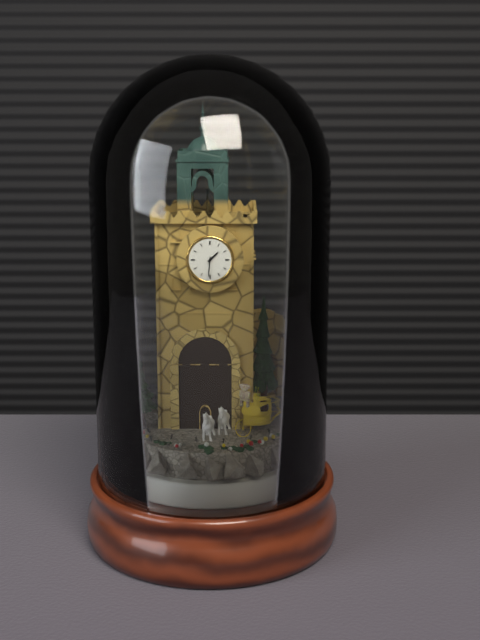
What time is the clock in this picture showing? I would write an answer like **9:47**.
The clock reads **1:31**
